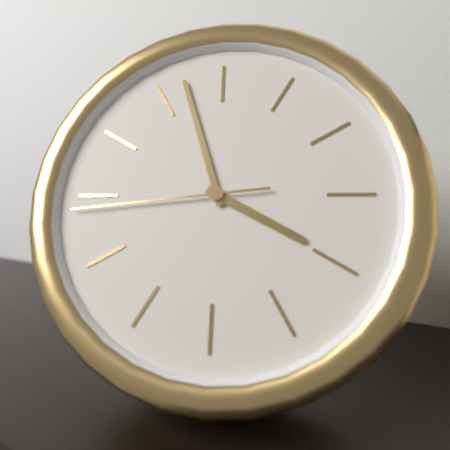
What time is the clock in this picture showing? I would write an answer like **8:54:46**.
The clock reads **3:57:44**
